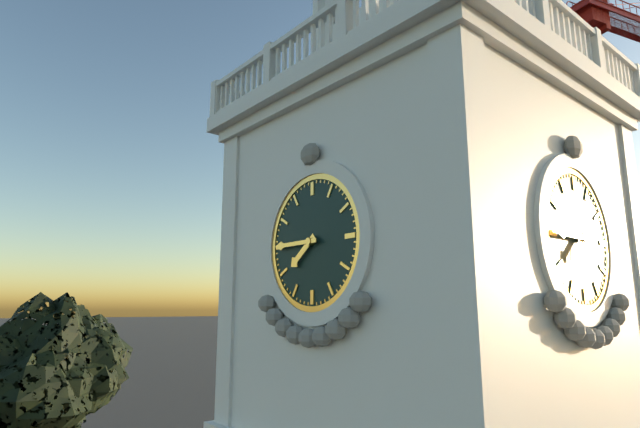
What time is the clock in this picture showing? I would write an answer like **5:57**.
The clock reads **7:45**
